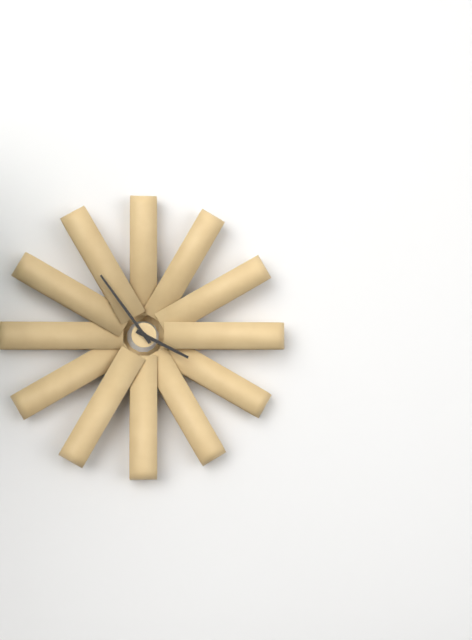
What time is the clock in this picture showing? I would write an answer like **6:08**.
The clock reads **3:54**
